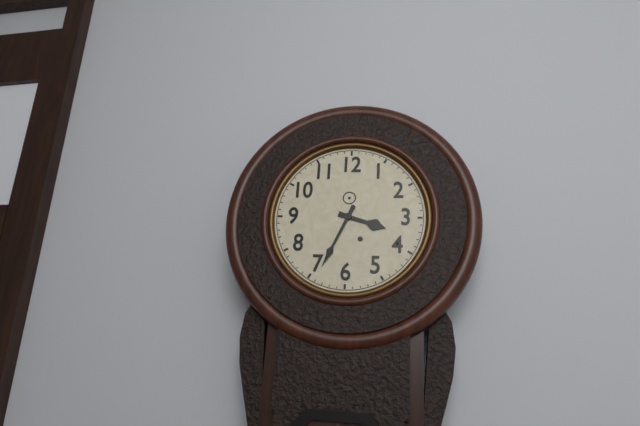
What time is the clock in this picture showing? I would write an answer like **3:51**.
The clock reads **3:34**
